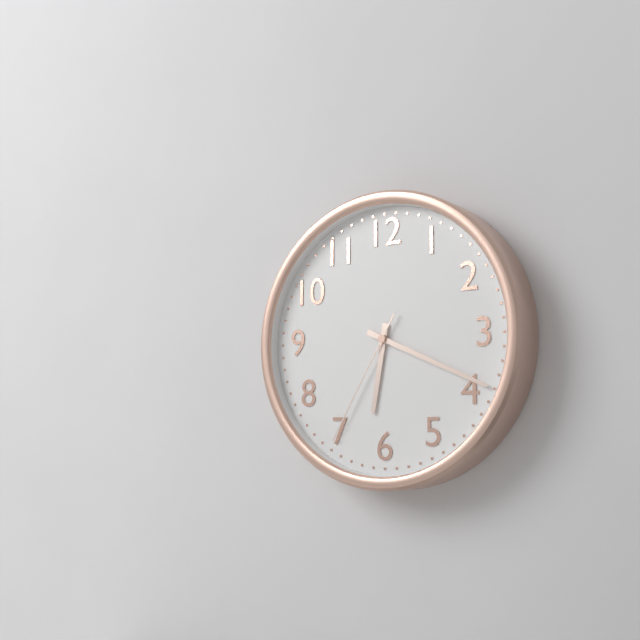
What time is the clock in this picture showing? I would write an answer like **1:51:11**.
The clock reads **6:19:35**
